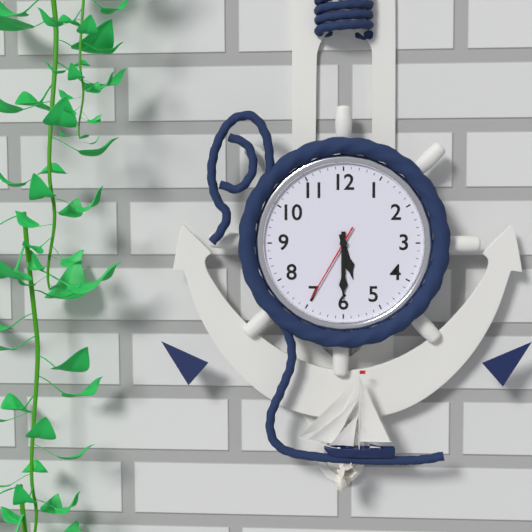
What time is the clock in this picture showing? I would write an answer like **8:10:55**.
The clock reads **5:30:35**
